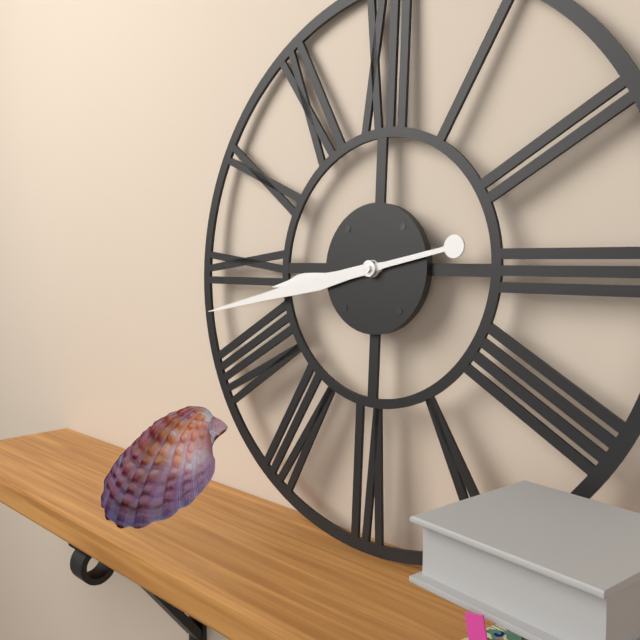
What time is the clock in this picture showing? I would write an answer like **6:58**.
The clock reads **8:43**
